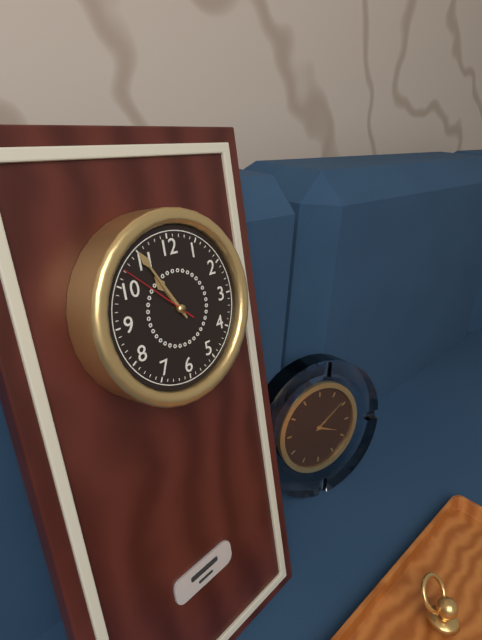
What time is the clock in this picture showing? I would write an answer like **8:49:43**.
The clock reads **10:55:52**
